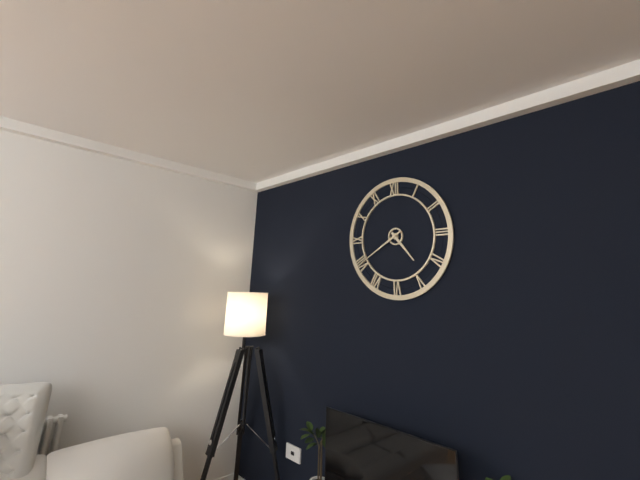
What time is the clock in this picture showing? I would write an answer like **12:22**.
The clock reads **4:40**
